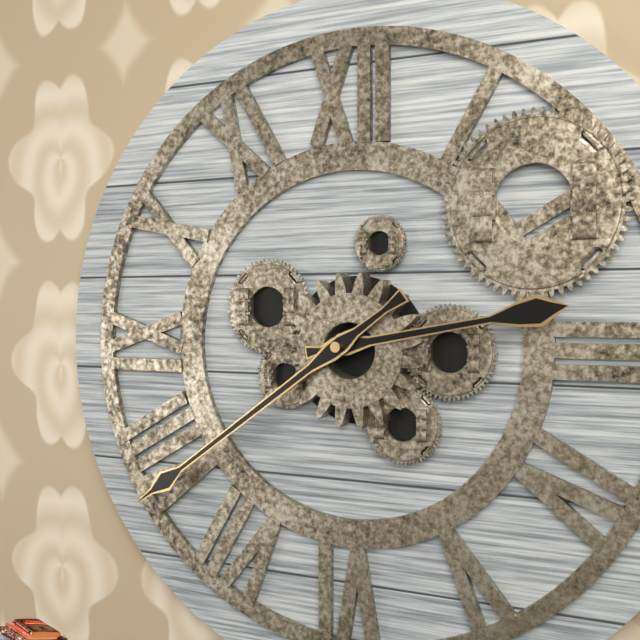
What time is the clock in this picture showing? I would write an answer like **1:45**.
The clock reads **2:39**
